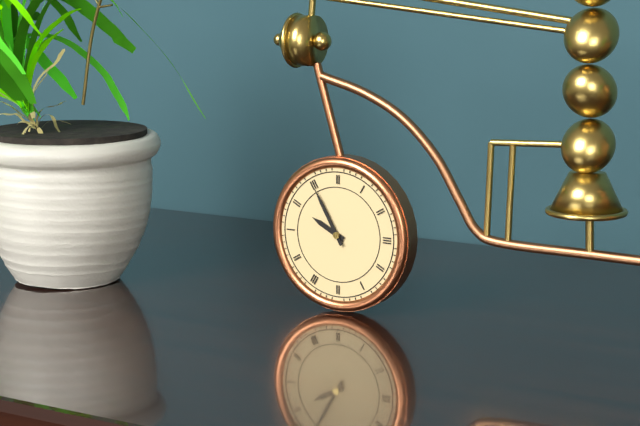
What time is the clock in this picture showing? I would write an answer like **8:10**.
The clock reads **9:55**
